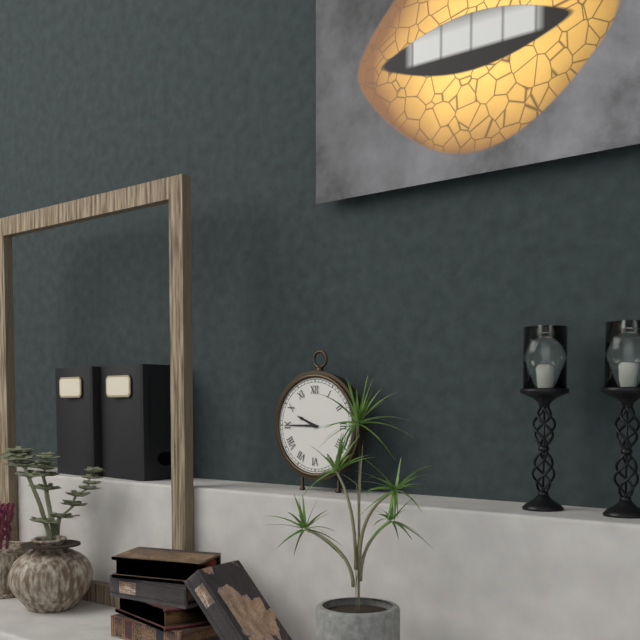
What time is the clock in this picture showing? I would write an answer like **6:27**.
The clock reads **9:45**
